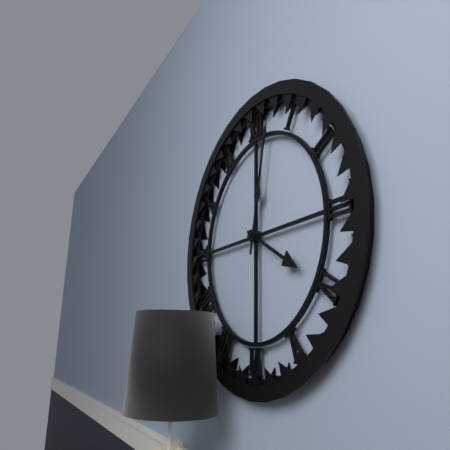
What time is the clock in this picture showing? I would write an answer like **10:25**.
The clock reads **4:02**
